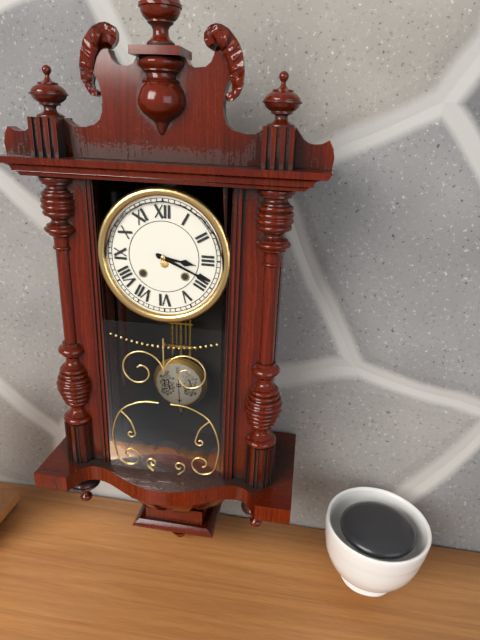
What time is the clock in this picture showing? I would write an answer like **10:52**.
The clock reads **3:19**
